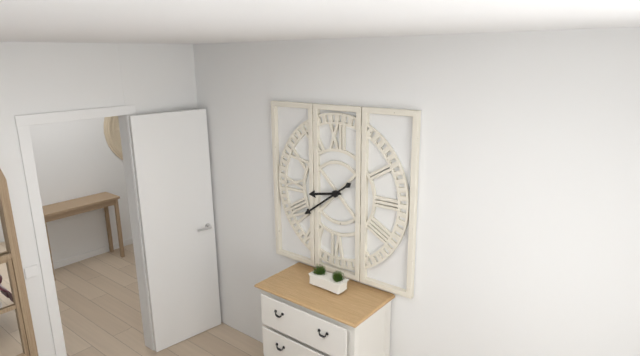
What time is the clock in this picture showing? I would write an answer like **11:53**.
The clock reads **8:39**
